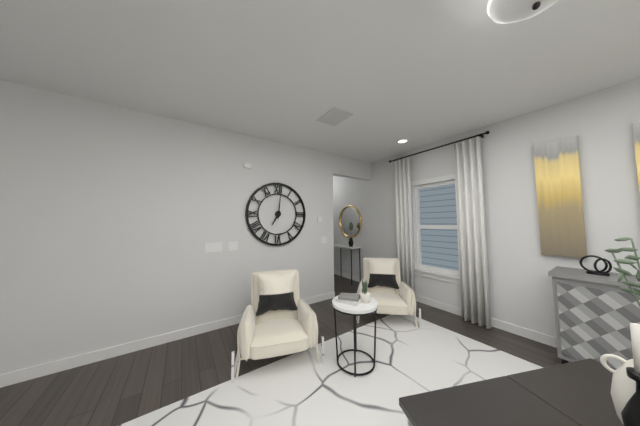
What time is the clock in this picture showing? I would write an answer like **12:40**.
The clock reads **7:01**
